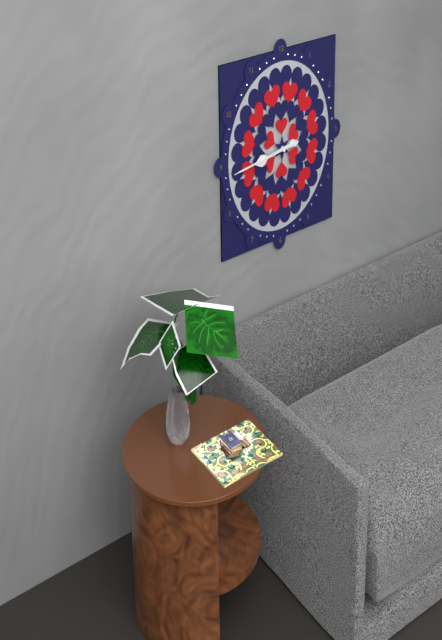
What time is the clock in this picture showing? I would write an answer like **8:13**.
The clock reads **8:44**
